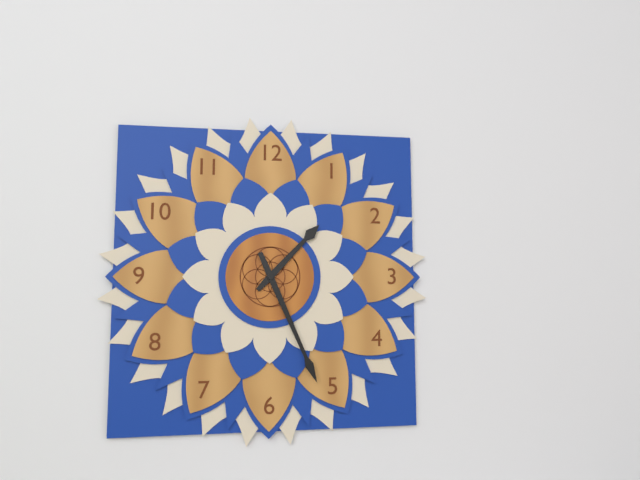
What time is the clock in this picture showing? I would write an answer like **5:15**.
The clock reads **1:26**
